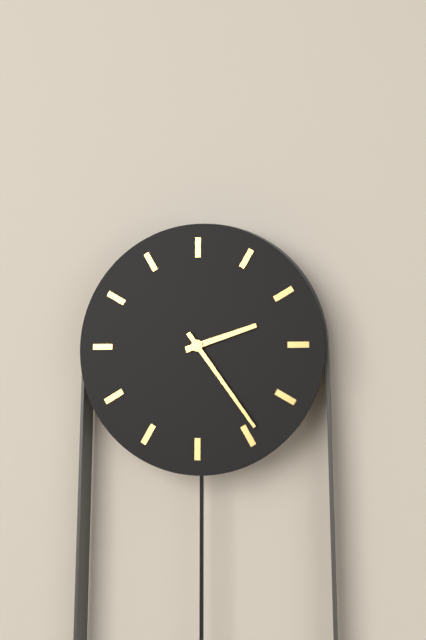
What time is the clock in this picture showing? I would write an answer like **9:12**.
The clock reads **2:24**
